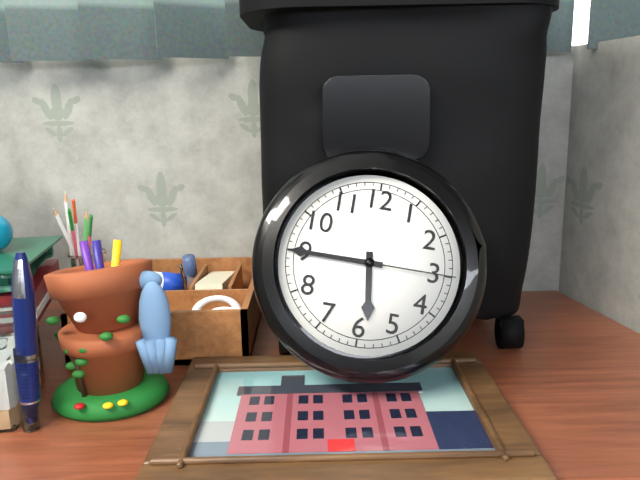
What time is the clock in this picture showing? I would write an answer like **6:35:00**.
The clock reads **5:45:15**
